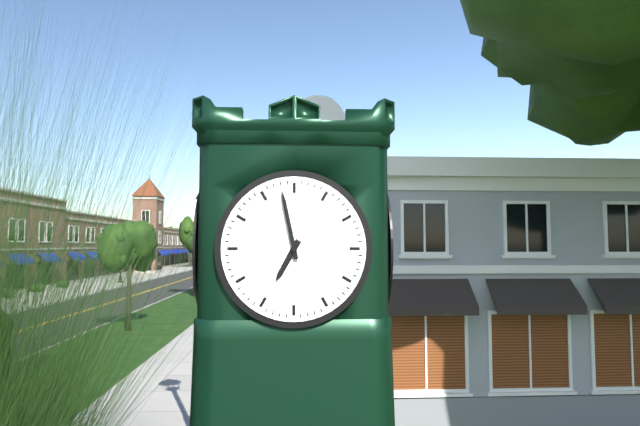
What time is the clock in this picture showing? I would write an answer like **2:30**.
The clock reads **6:58**
